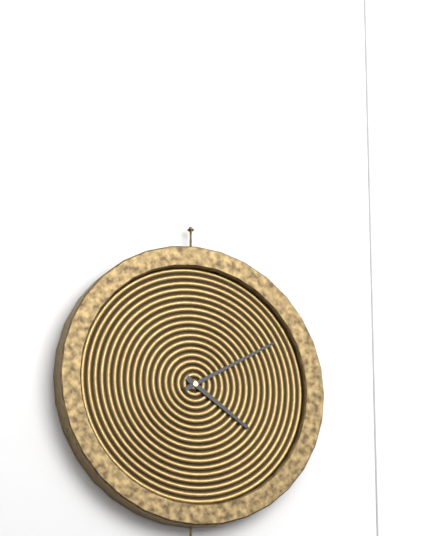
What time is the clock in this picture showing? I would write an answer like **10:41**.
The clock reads **4:10**
